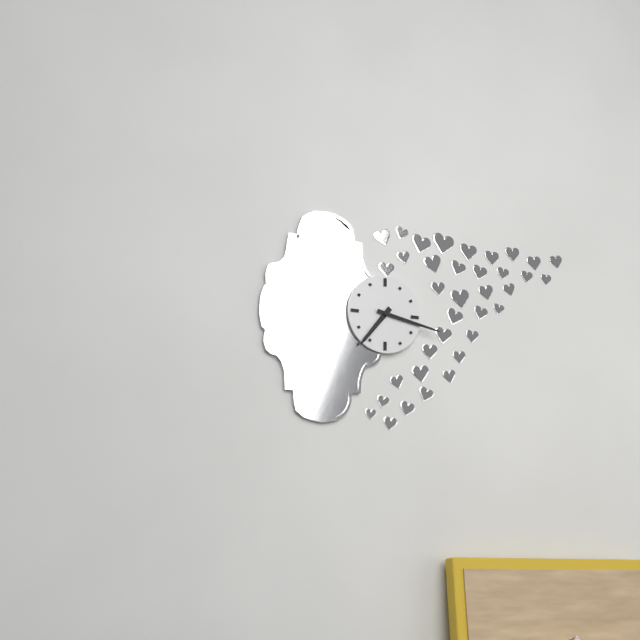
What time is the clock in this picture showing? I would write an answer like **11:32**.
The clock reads **7:17**
